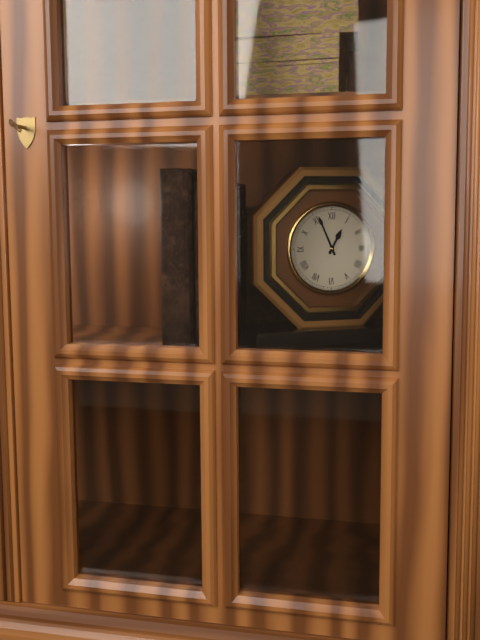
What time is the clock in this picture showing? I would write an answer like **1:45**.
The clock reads **12:56**
